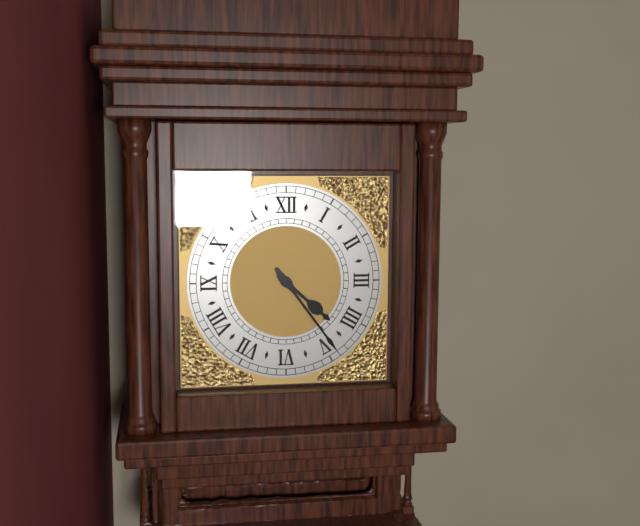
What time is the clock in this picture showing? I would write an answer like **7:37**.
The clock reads **4:24**
